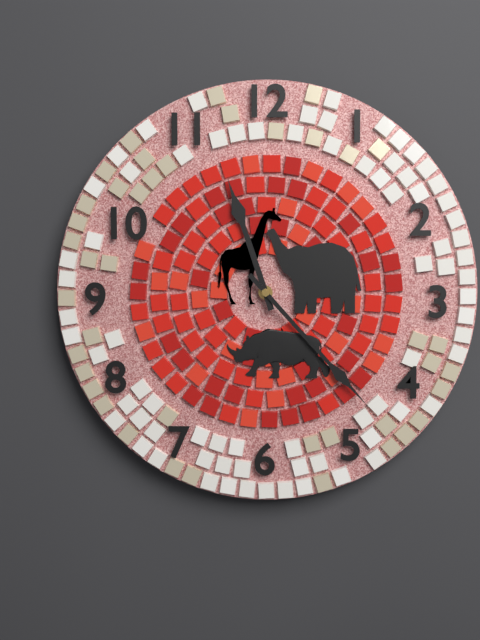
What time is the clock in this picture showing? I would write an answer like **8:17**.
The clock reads **11:23**
